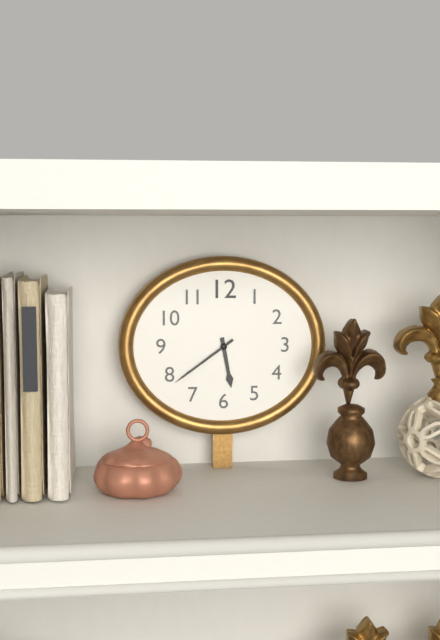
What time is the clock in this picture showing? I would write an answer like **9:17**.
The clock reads **5:39**
